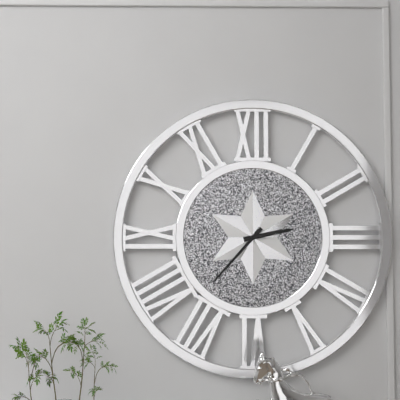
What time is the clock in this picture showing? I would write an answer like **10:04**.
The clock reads **2:37**
